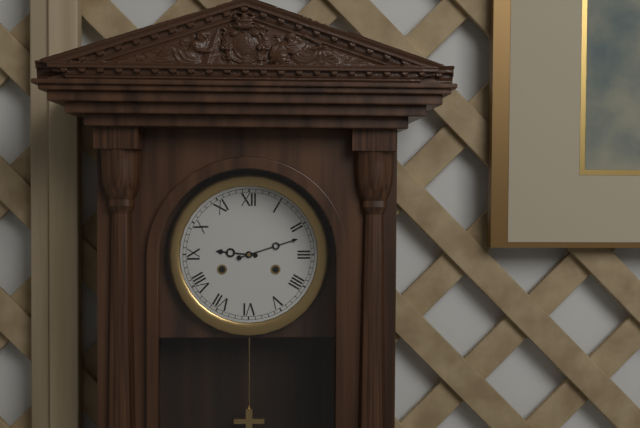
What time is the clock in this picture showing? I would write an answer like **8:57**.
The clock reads **9:12**
